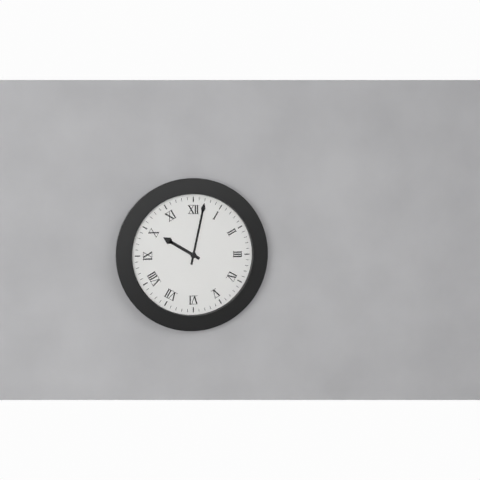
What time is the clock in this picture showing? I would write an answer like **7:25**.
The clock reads **10:02**
